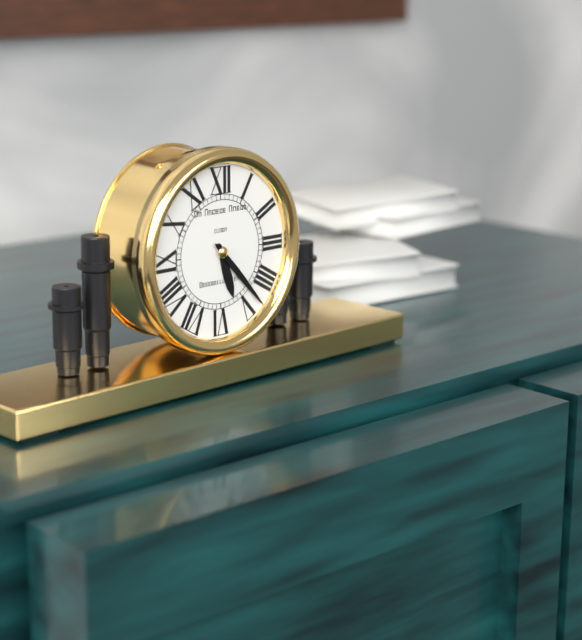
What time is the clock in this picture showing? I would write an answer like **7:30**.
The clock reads **5:23**
